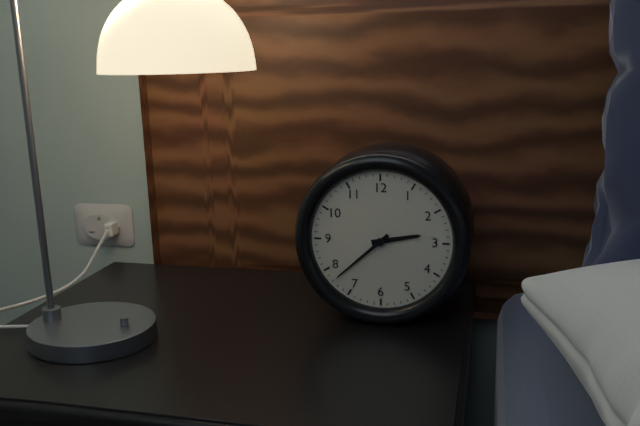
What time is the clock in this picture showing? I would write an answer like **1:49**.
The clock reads **2:38**
